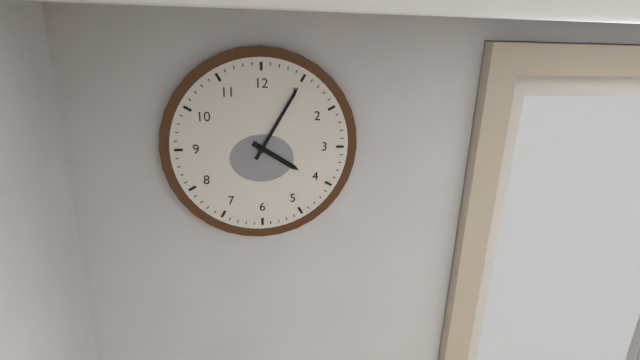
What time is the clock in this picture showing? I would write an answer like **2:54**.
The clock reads **4:05**
